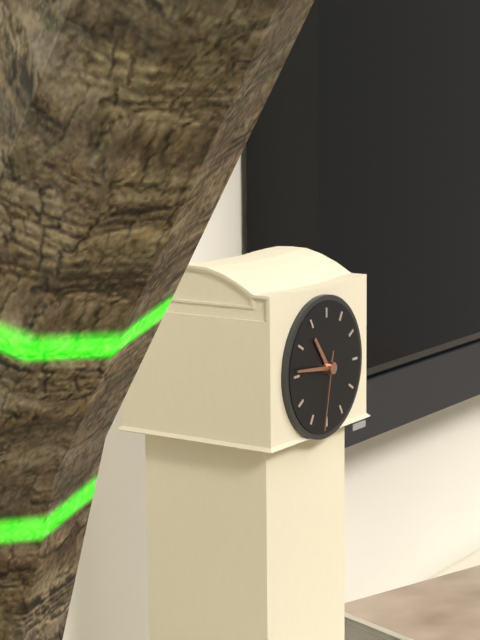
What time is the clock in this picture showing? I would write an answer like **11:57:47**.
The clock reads **10:46:32**
